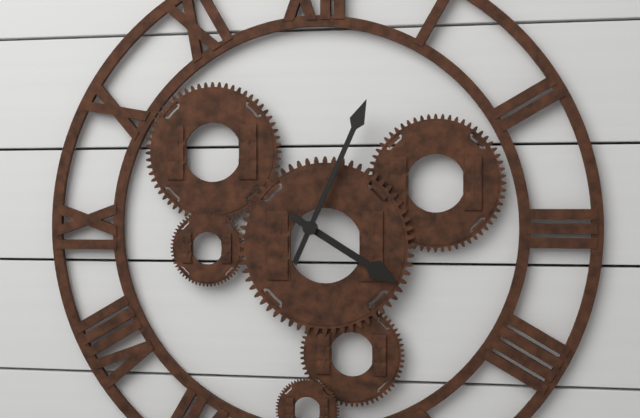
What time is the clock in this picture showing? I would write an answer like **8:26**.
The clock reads **4:04**
